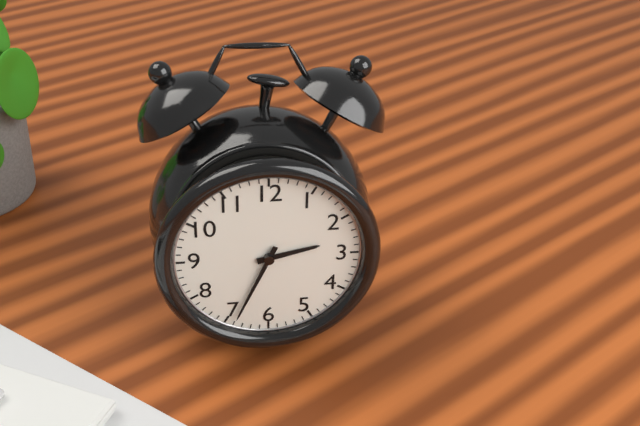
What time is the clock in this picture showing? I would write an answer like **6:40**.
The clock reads **2:34**
